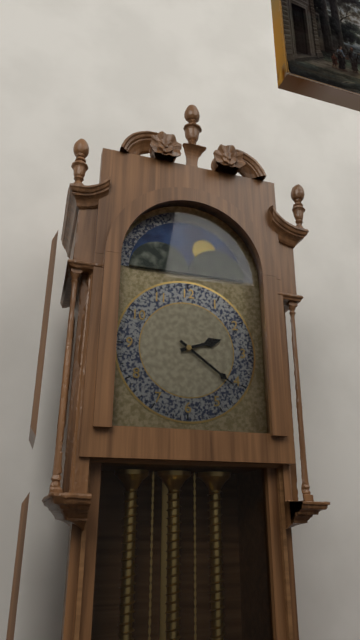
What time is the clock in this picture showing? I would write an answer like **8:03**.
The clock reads **2:21**
